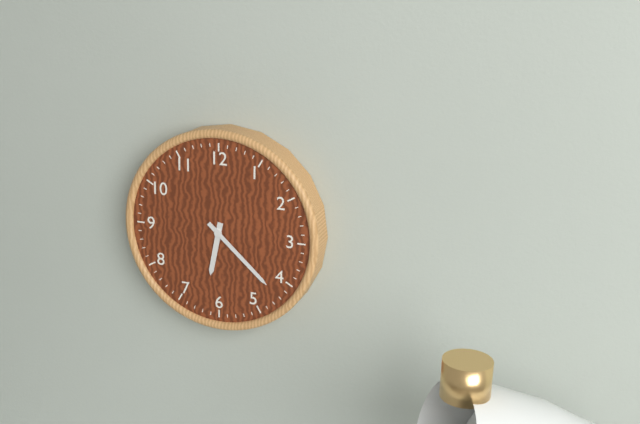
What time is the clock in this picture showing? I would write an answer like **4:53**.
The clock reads **6:22**
